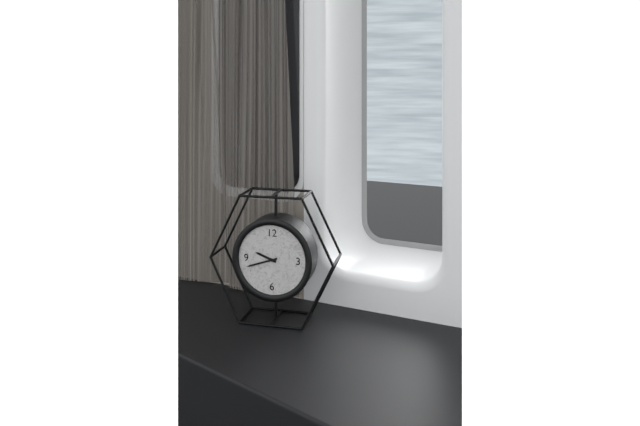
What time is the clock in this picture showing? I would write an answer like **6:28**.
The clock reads **9:42**
